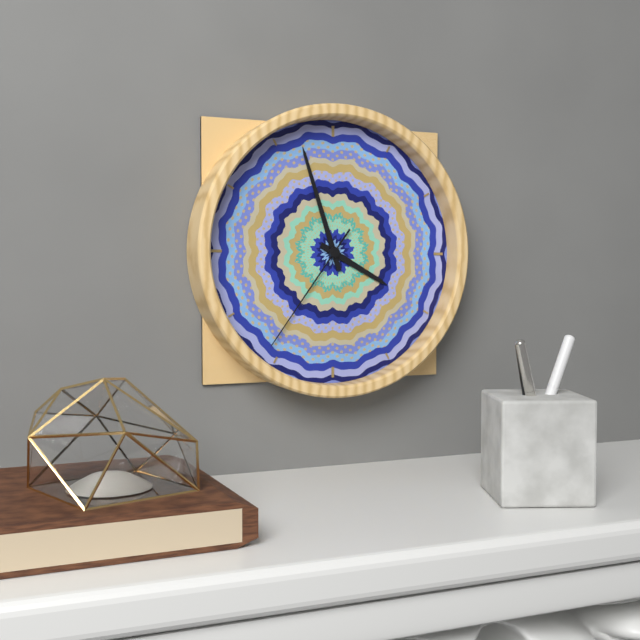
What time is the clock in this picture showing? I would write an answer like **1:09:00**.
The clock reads **3:57:36**
